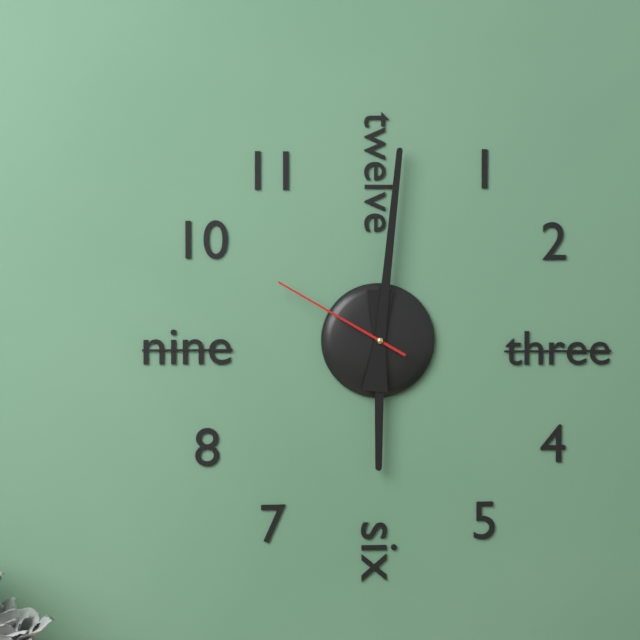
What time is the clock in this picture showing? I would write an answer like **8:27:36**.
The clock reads **6:01:50**
